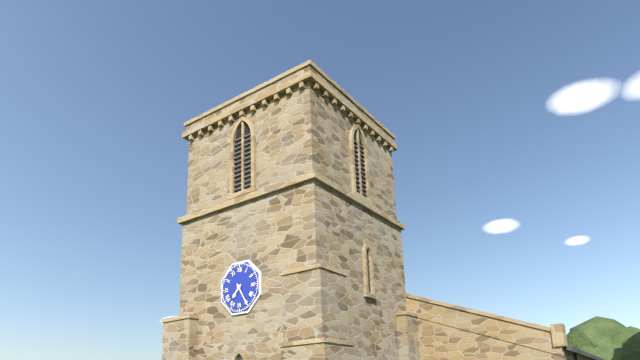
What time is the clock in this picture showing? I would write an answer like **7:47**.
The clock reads **7:25**
